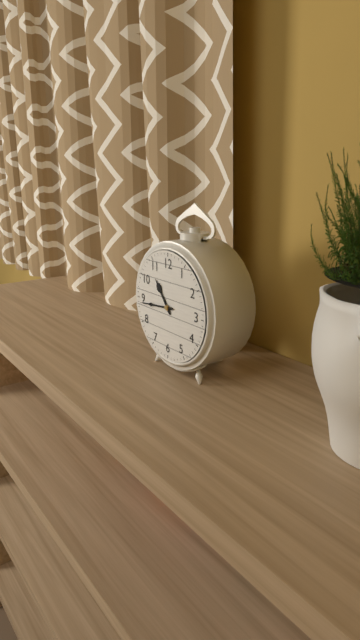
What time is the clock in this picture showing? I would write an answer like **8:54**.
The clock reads **10:44**
